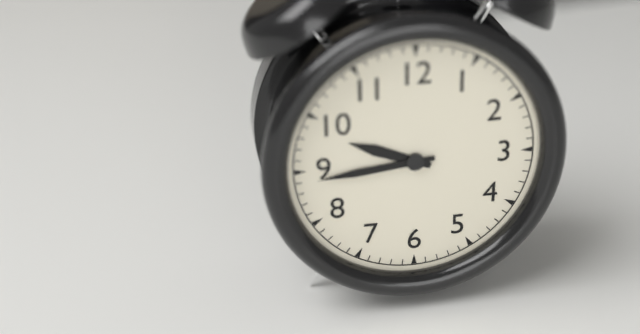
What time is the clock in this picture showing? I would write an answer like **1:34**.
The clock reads **9:44**
